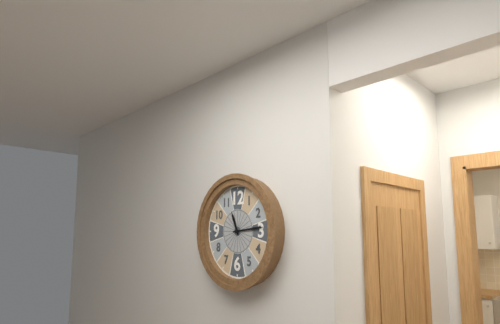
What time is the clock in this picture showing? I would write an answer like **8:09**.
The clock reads **11:14**
